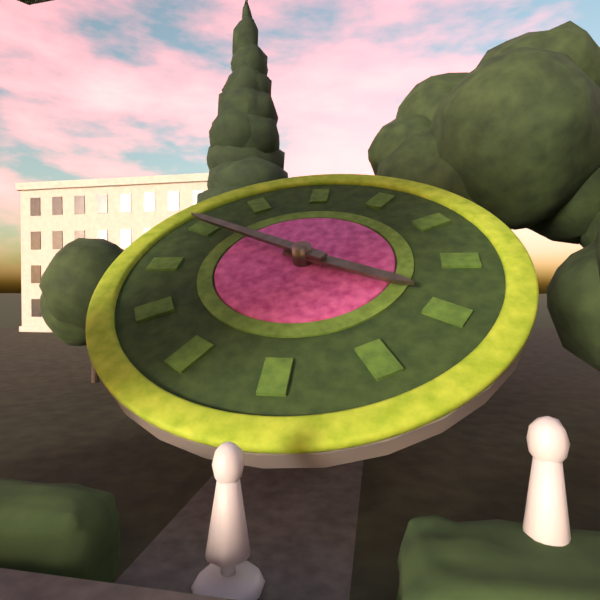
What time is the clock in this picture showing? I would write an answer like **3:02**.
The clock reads **3:50**
